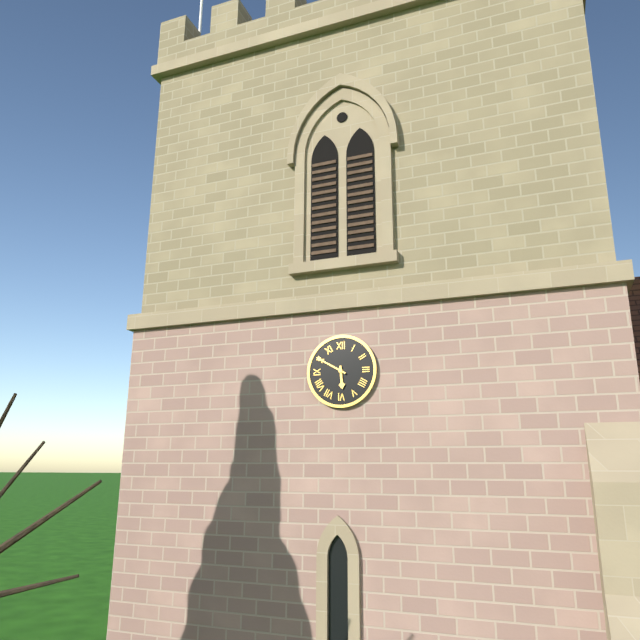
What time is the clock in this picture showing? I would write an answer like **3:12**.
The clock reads **5:50**
